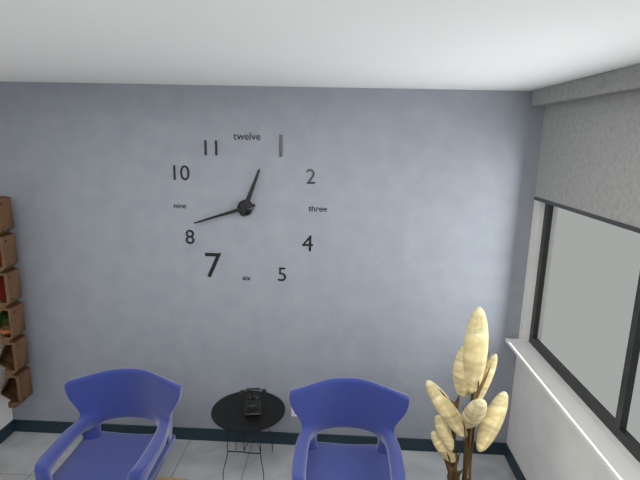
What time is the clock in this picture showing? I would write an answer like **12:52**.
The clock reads **12:42**
